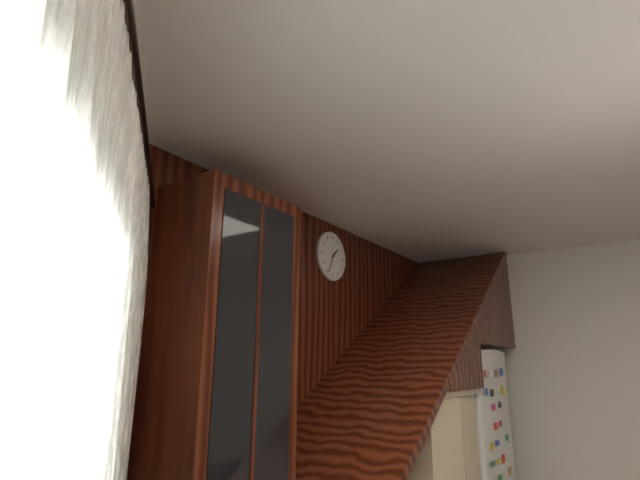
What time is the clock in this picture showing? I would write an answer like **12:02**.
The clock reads **1:34**
